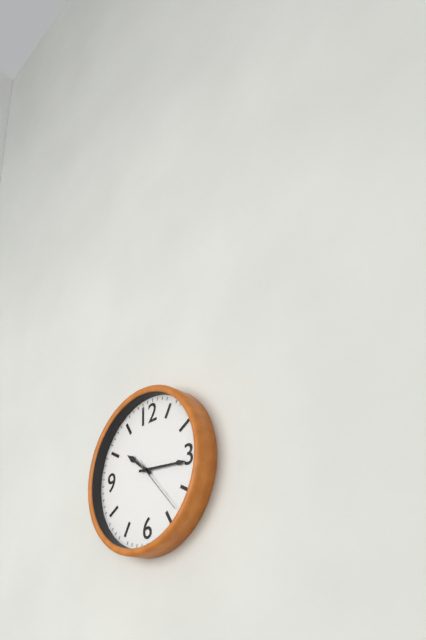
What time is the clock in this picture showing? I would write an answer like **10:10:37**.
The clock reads **10:16:23**
